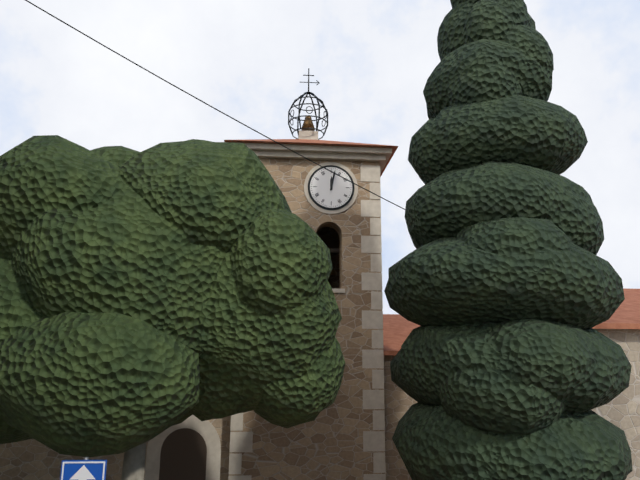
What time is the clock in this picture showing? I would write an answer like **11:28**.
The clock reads **12:02**
